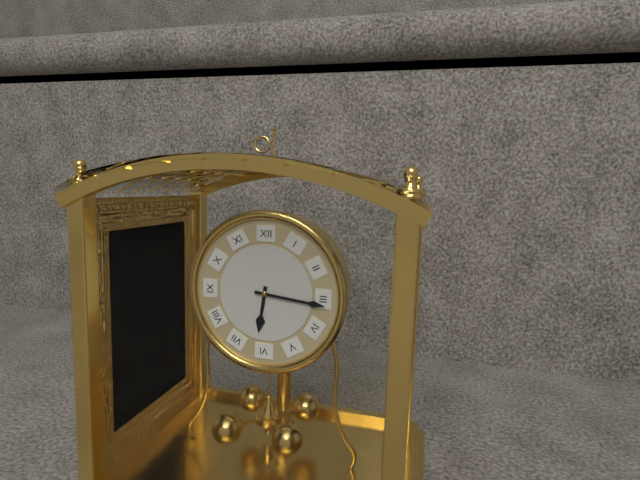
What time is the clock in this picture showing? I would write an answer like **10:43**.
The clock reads **6:16**
